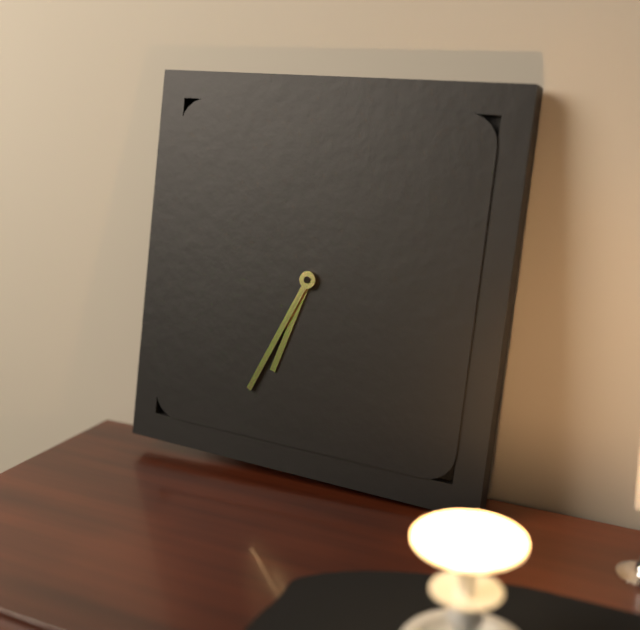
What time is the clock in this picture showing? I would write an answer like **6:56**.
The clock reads **6:34**
